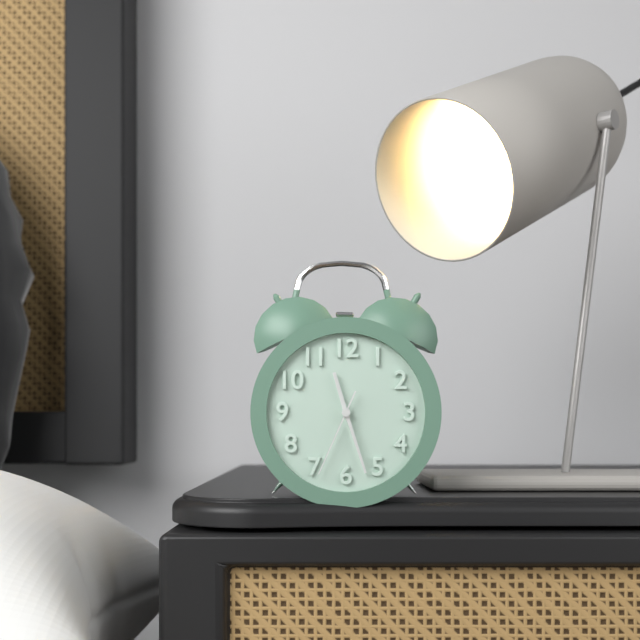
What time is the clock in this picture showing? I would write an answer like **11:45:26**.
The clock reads **11:27:34**
